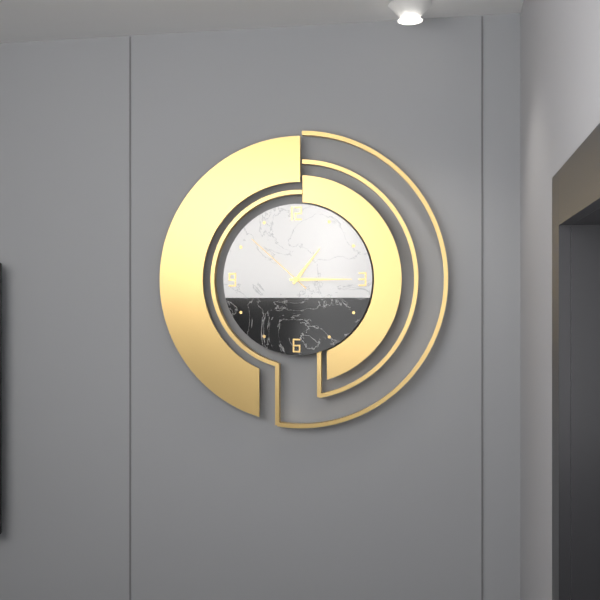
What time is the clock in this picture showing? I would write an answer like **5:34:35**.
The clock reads **1:15:52**
